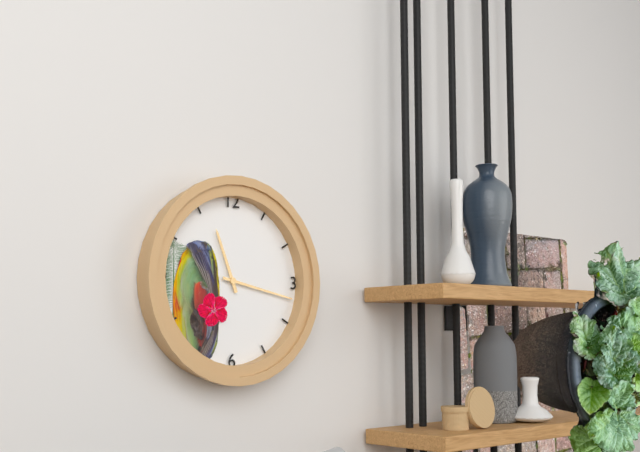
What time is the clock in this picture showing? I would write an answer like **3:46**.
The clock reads **11:17**
